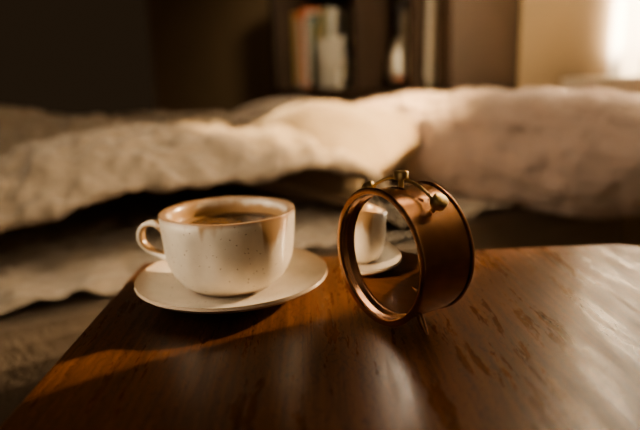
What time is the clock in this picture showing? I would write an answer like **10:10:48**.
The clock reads **5:49:19**
